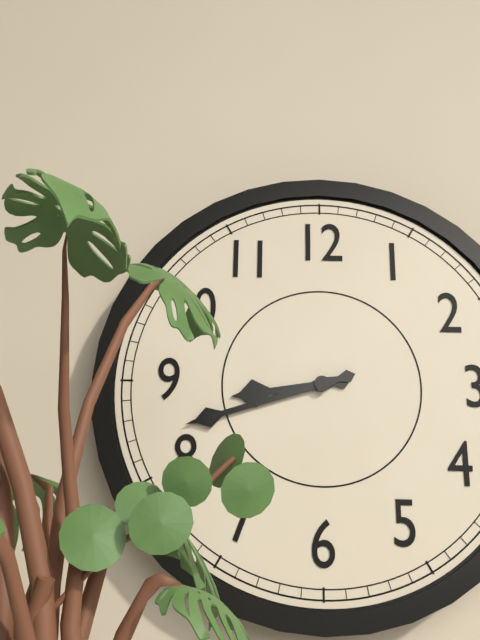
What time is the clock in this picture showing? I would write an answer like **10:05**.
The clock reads **8:42**
